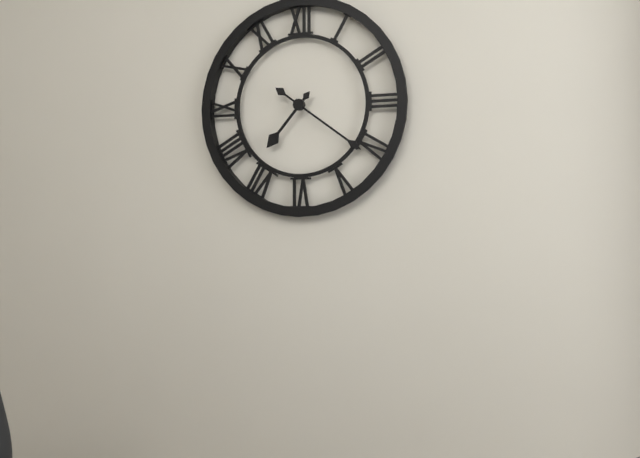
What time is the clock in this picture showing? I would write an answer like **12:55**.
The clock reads **7:21**
